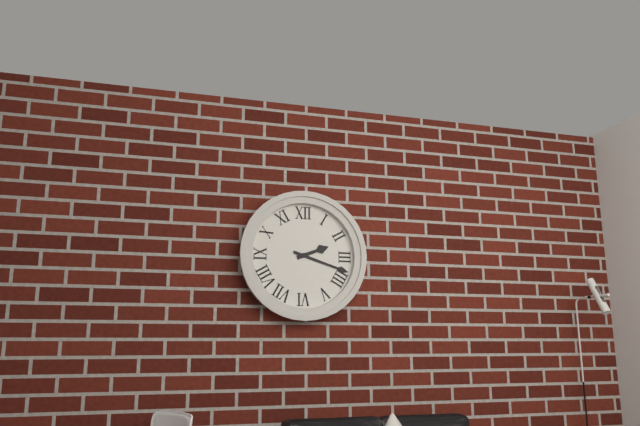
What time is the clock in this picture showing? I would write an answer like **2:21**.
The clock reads **2:18**
